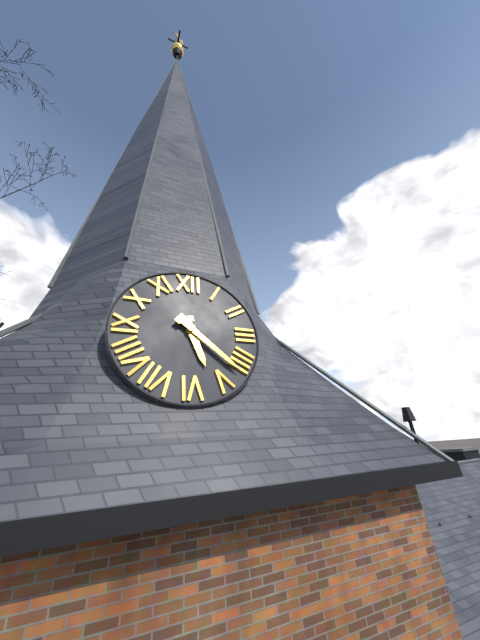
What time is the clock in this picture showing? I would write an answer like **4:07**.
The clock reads **5:22**
